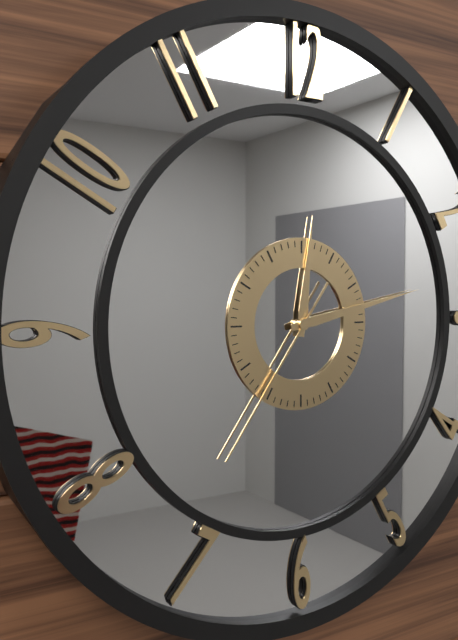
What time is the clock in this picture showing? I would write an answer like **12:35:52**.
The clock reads **12:13:36**
